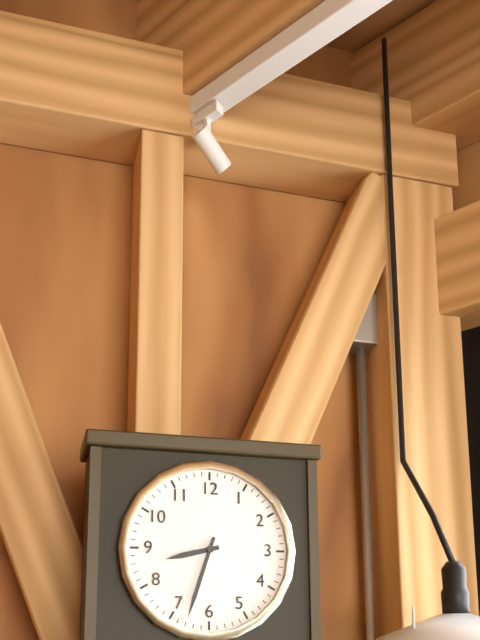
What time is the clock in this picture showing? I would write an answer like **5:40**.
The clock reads **8:33**
